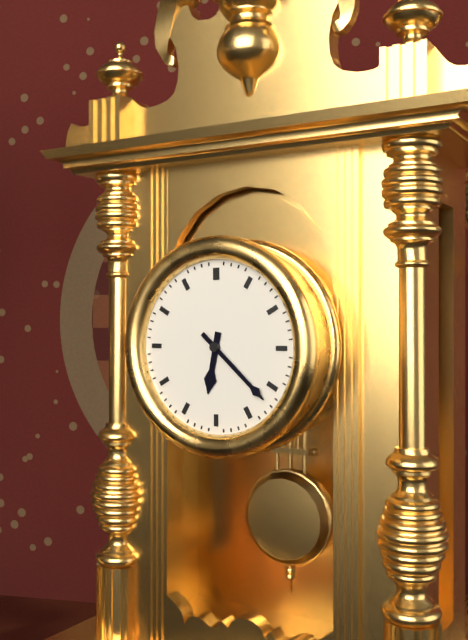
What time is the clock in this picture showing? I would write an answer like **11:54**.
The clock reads **6:22**
